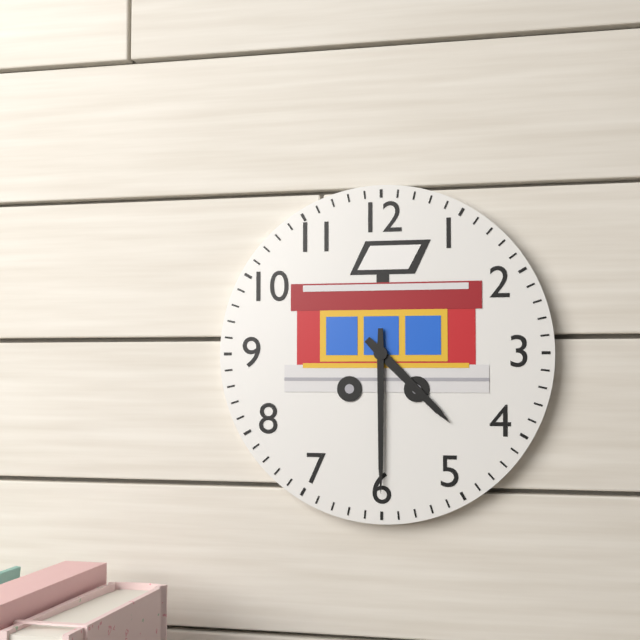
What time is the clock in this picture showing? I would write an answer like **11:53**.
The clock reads **4:30**
